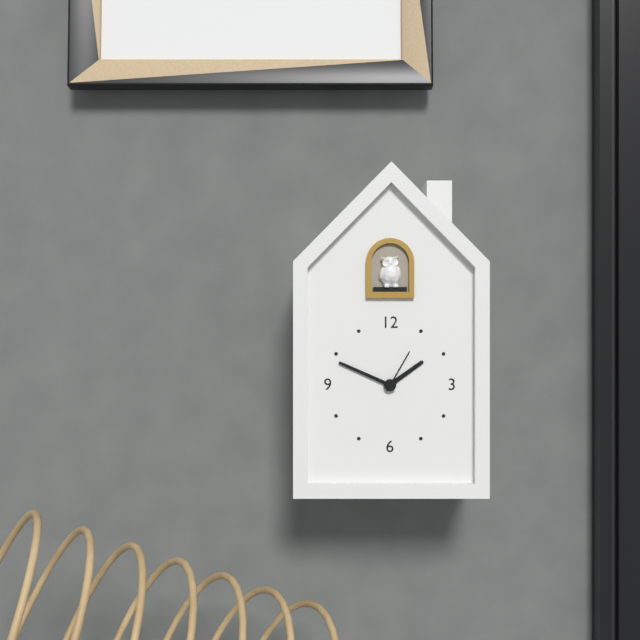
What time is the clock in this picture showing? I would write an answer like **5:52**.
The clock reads **1:49**
